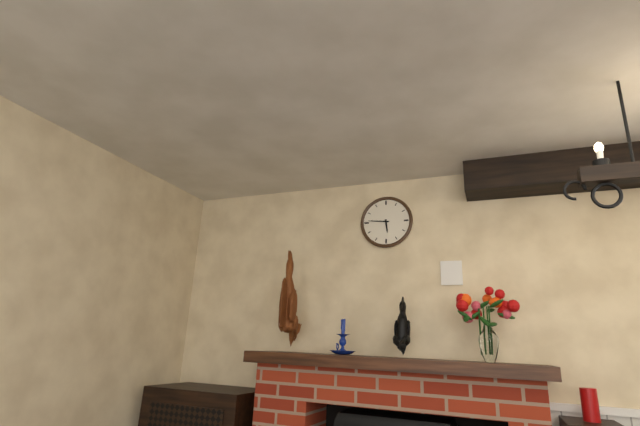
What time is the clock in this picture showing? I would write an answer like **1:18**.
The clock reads **5:46**
